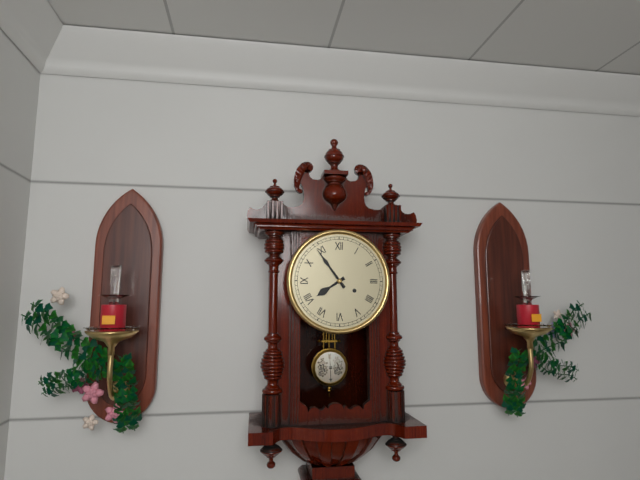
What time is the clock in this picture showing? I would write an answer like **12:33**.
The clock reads **7:54**
